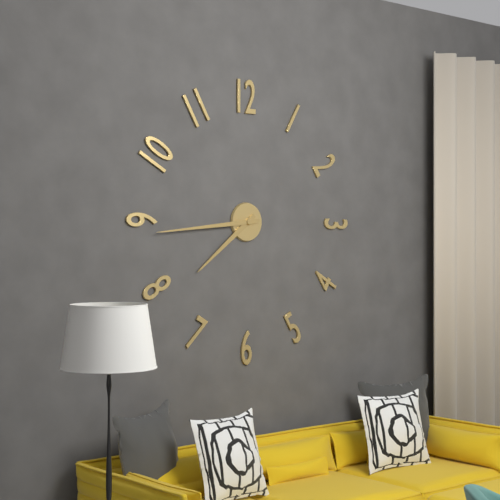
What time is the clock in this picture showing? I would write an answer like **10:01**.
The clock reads **7:44**
